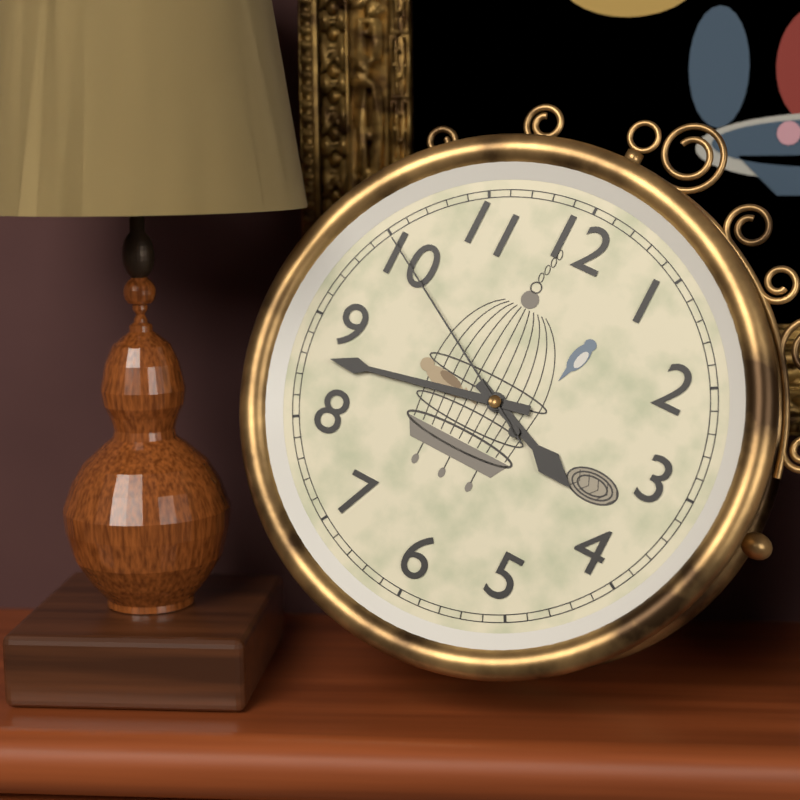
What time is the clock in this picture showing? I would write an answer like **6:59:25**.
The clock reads **3:43:50**
